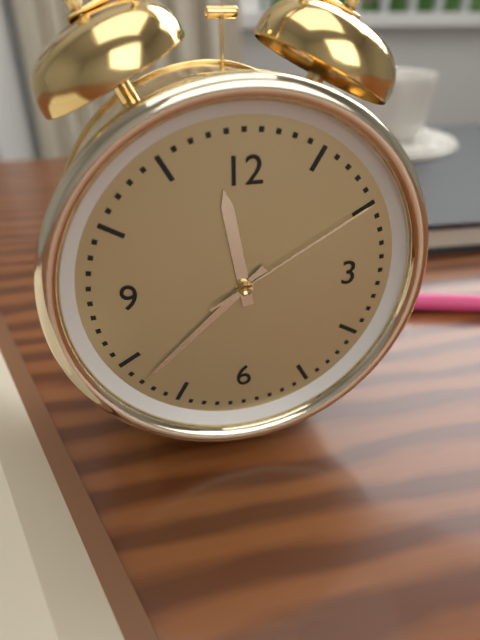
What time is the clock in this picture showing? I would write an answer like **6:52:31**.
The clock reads **11:38:10**
